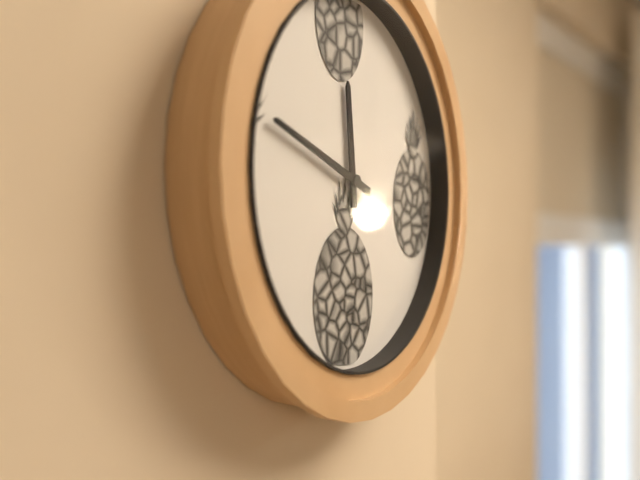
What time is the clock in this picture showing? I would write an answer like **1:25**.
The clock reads **11:48**
